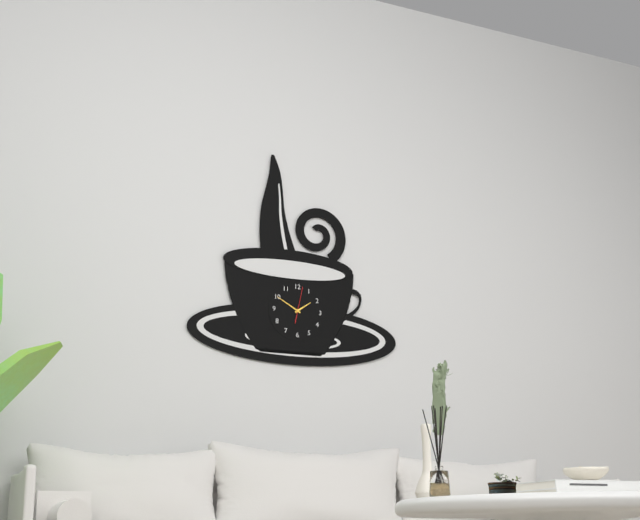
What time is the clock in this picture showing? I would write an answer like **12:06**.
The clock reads **1:50**
